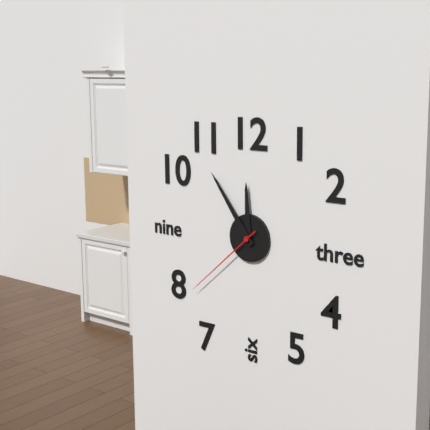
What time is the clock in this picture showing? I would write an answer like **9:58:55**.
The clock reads **11:54:38**
